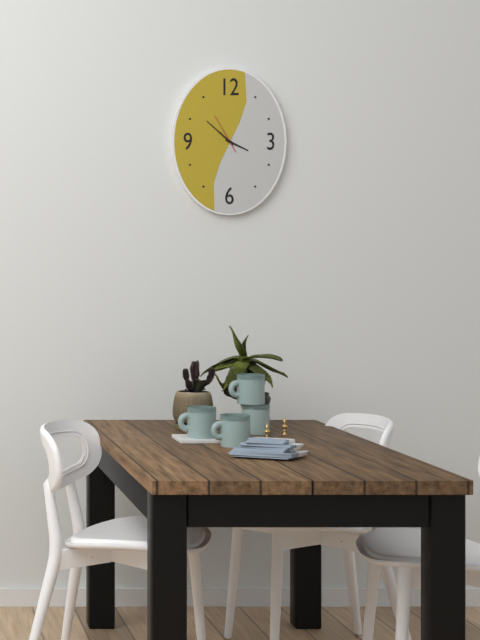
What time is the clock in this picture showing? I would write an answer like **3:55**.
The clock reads **3:52**
